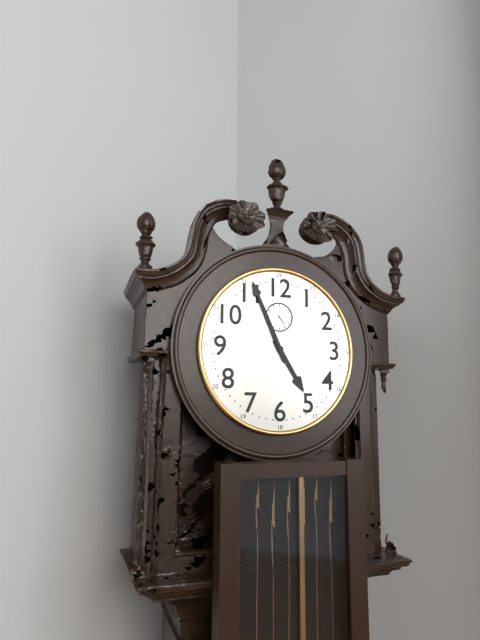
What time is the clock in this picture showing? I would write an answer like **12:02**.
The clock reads **4:56**
